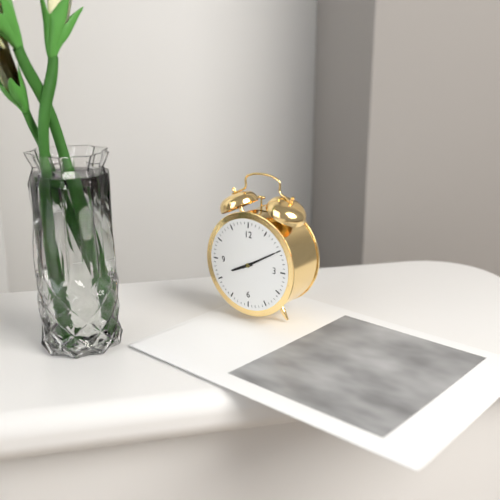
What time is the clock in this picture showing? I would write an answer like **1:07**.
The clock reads **8:10**
